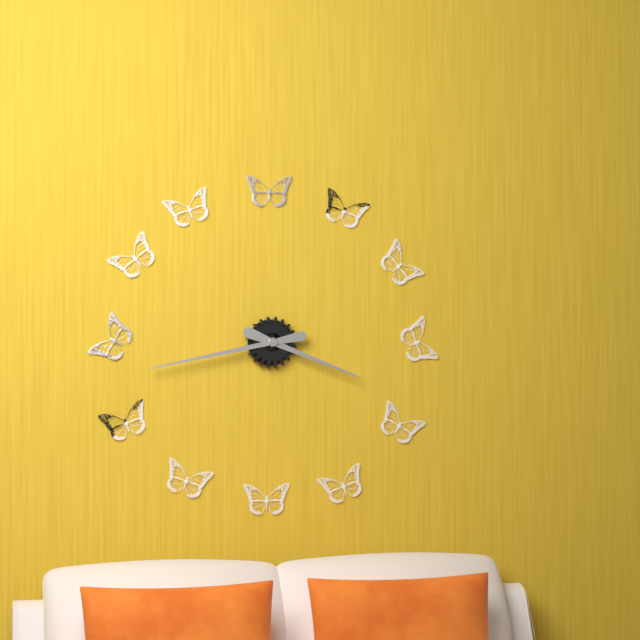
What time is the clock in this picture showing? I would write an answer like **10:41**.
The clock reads **3:43**
